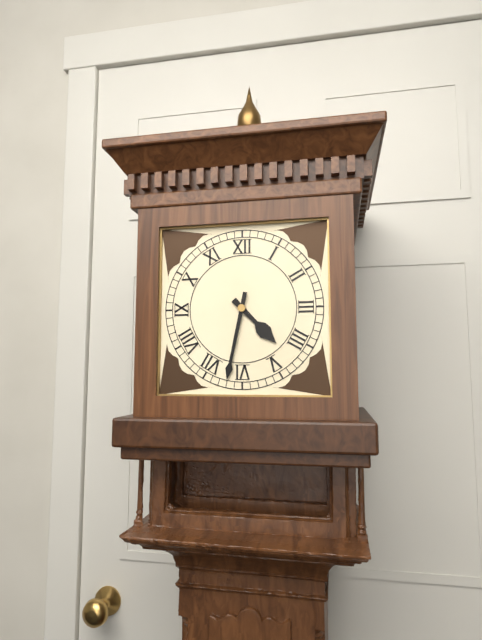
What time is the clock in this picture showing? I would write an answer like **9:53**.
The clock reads **4:32**
